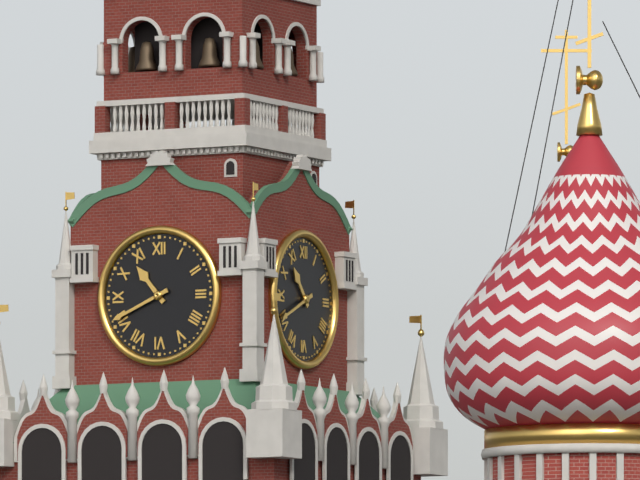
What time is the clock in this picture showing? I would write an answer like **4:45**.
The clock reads **10:41**
